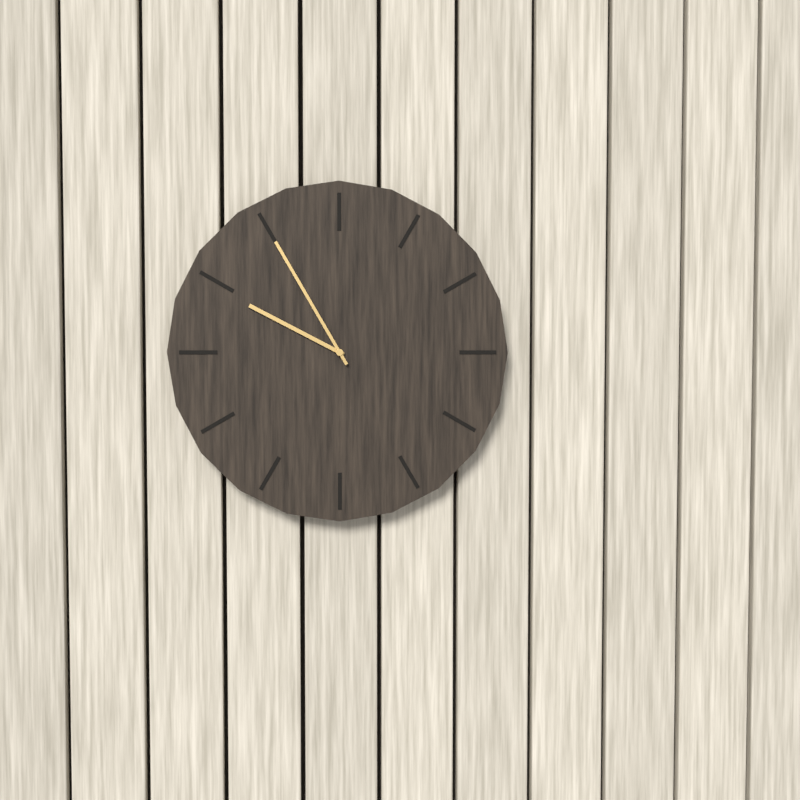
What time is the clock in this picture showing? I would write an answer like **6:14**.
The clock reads **9:55**
